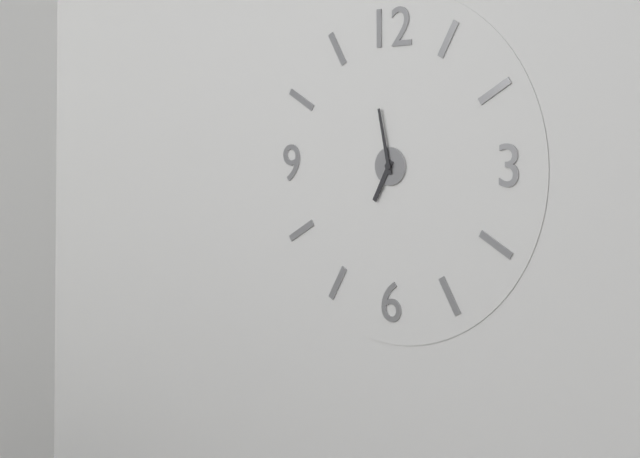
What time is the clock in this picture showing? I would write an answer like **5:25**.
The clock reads **6:58**
